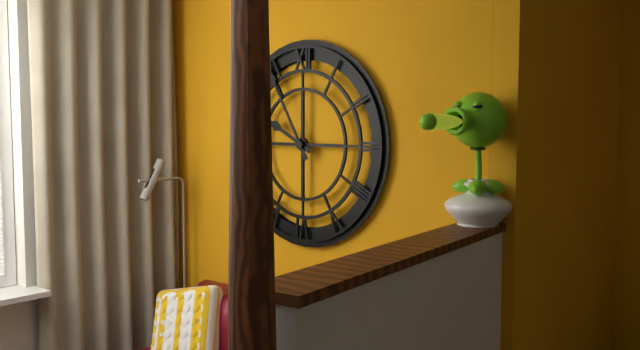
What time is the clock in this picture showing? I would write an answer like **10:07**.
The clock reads **9:55**
